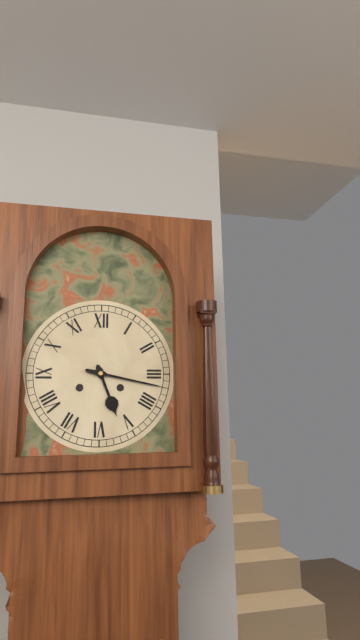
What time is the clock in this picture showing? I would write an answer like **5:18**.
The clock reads **5:17**
